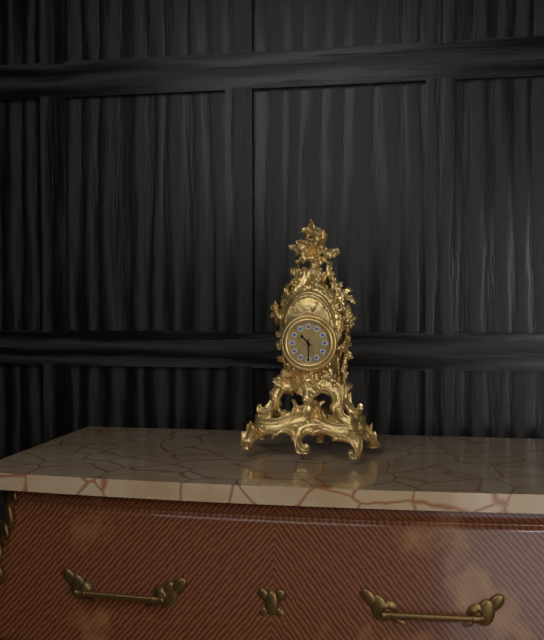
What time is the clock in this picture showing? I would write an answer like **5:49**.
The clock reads **10:30**
